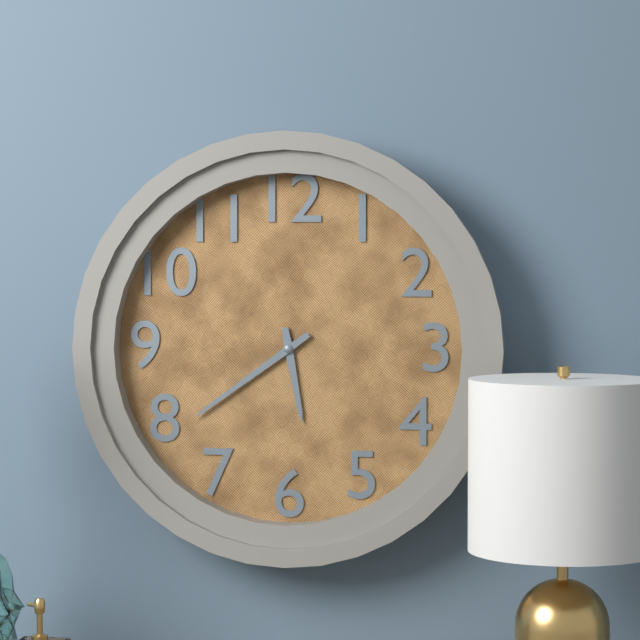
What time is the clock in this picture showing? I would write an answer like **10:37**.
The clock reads **5:39**
